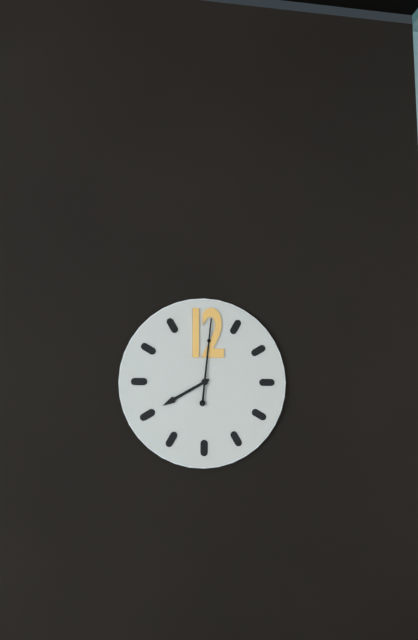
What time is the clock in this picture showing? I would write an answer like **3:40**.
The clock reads **8:01**
